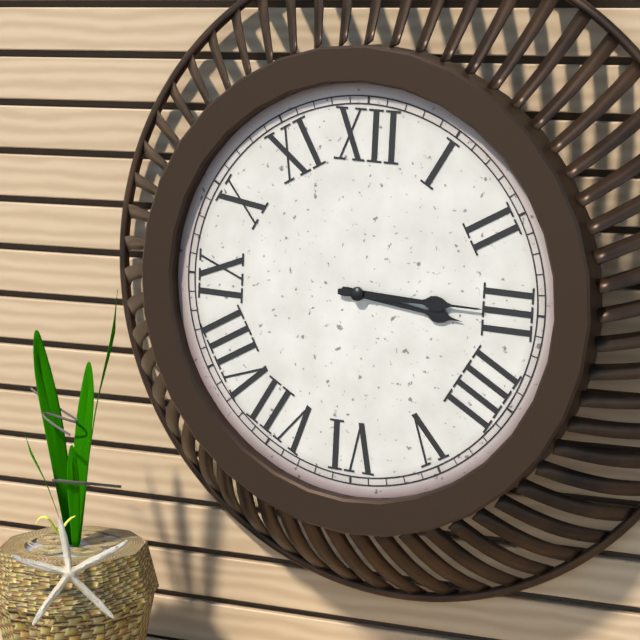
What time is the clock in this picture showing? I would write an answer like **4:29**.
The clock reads **3:15**
